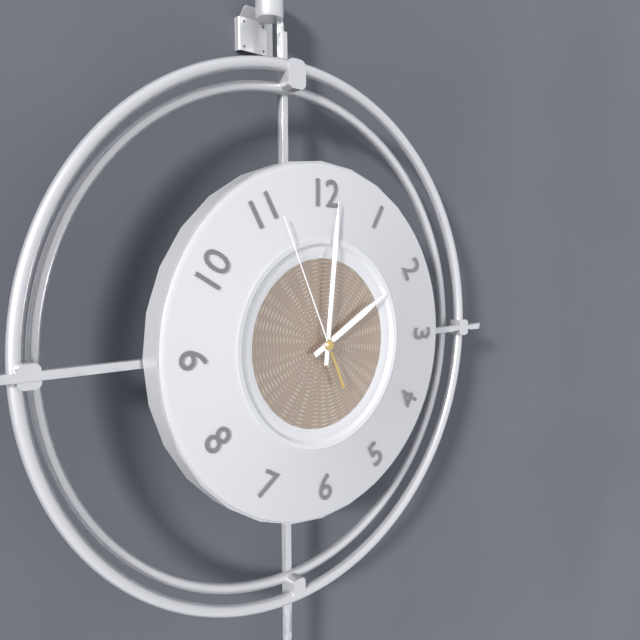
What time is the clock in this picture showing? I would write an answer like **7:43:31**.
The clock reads **2:01:56**
